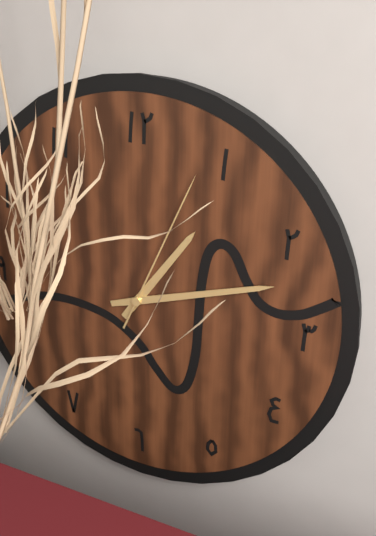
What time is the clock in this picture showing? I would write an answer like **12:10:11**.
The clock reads **1:12:04**
